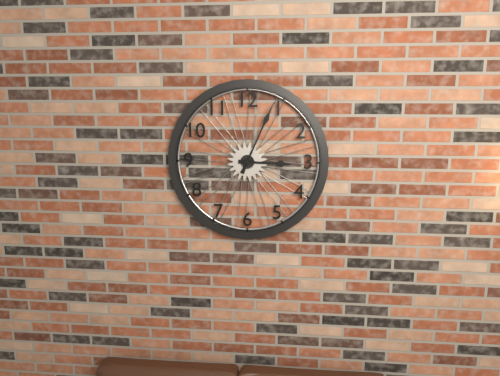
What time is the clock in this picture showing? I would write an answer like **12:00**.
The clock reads **3:04**
